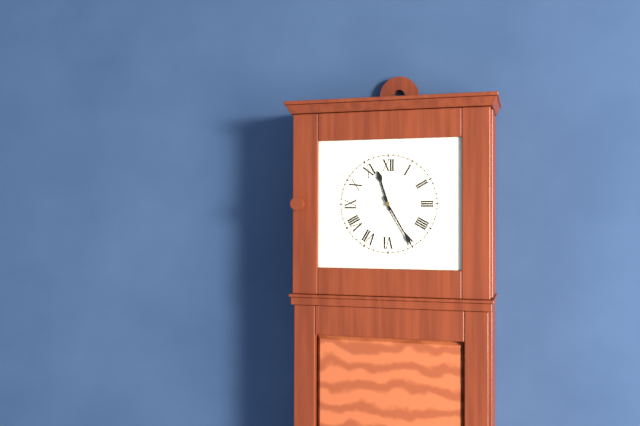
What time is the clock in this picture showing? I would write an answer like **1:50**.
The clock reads **11:25**
